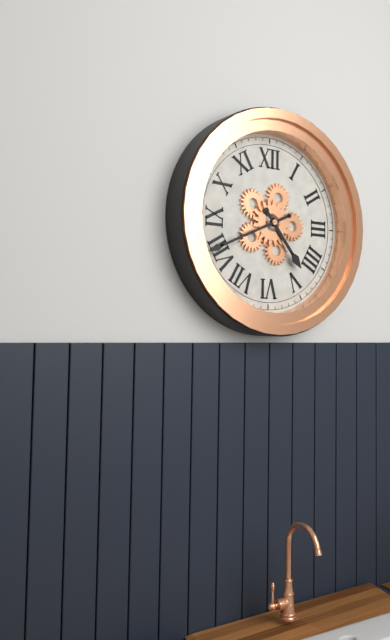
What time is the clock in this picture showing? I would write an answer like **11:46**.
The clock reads **4:41**
